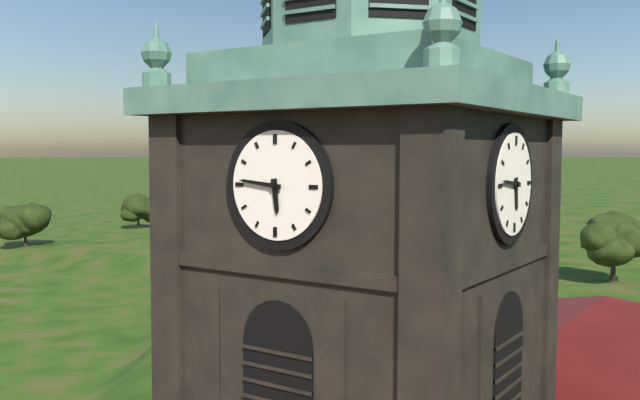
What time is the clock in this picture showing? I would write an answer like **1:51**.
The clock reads **5:46**
